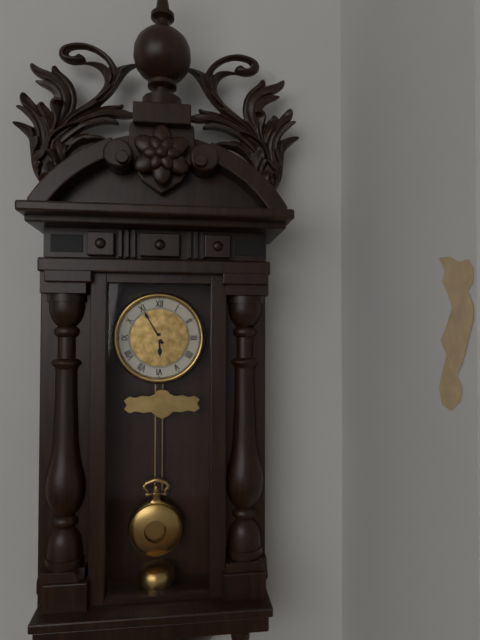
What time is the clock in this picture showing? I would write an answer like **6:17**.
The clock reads **5:55**
